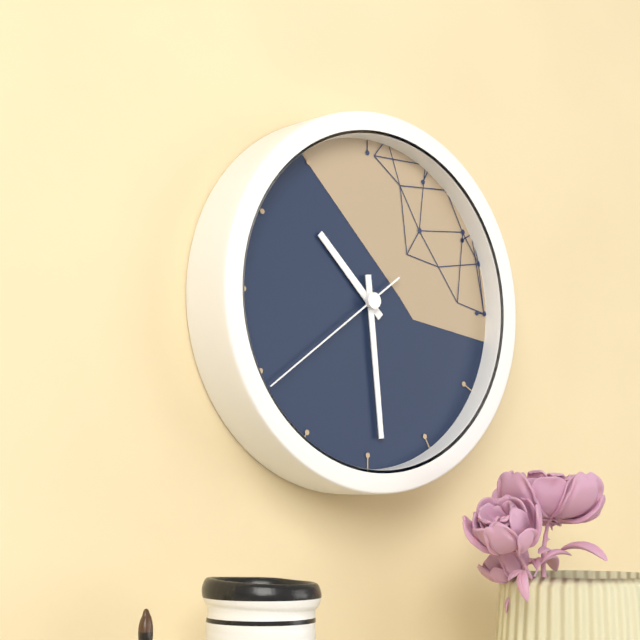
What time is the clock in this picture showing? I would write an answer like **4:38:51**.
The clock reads **10:29:39**
